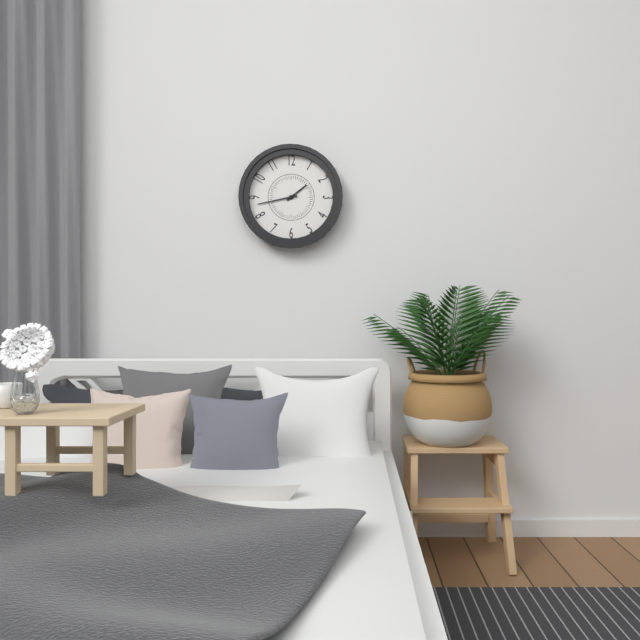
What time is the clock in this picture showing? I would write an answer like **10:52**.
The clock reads **1:43**
